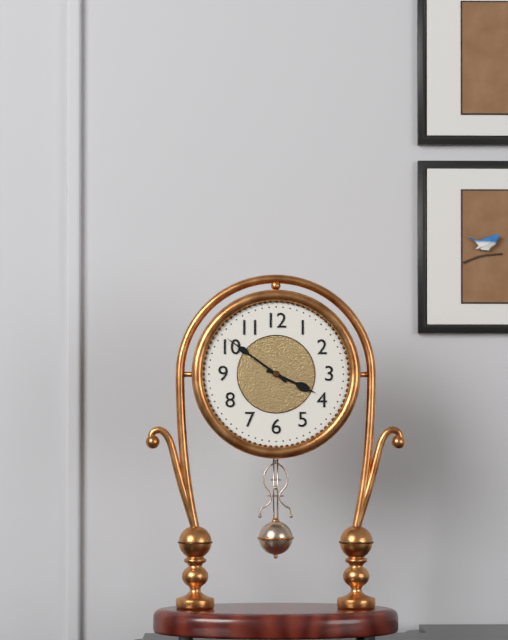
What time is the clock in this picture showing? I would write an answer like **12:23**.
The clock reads **3:51**
